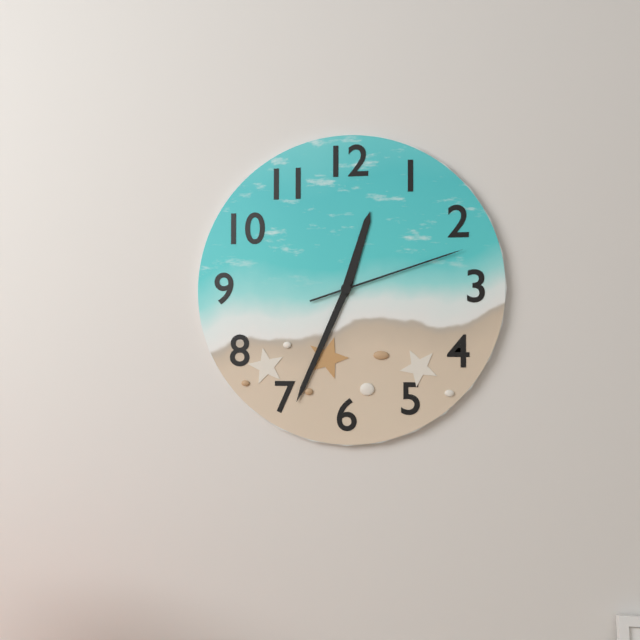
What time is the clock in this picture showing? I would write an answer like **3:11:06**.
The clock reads **12:34:12**
